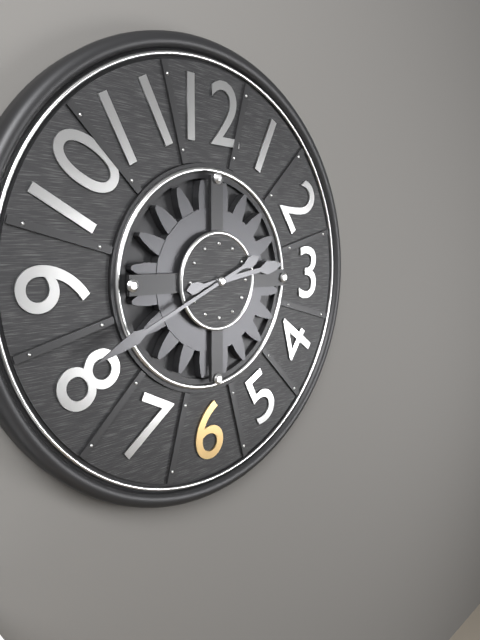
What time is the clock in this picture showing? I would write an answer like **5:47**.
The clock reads **2:41**
